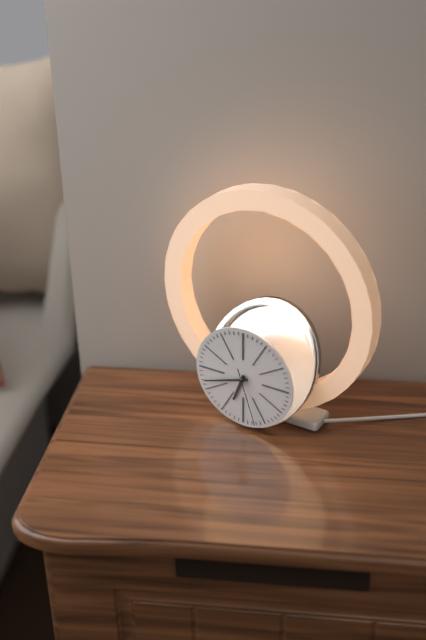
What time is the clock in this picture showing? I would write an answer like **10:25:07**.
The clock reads **6:42:27**
